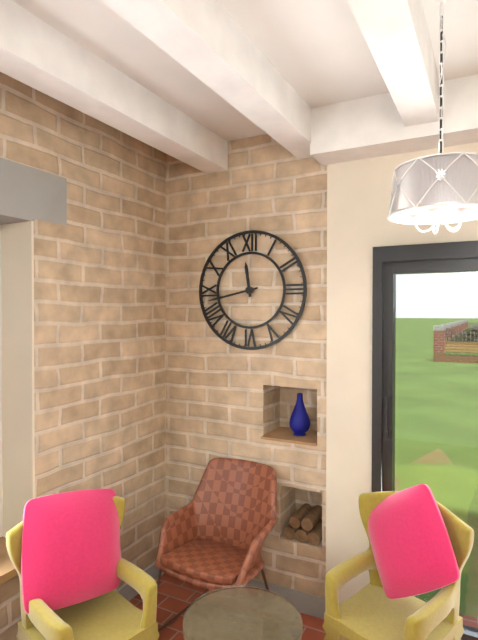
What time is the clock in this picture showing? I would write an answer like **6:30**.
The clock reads **11:43**
